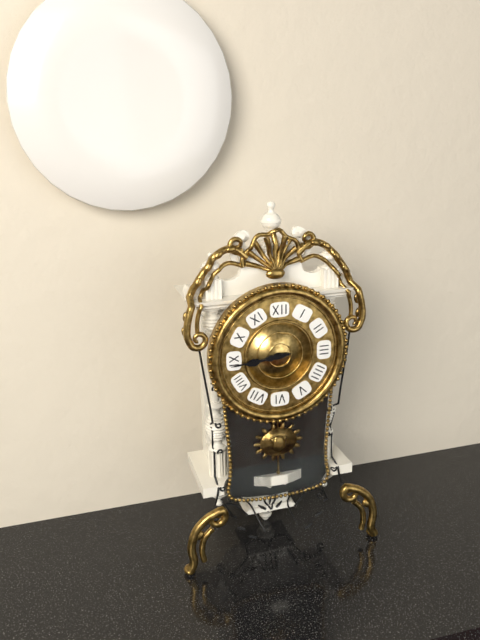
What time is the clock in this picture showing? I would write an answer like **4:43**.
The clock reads **8:44**
